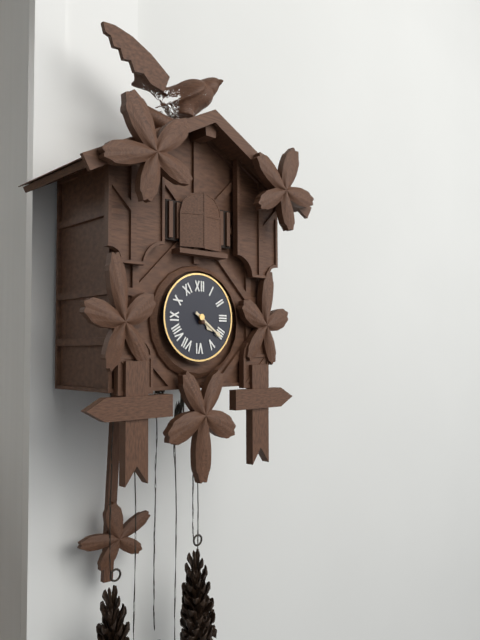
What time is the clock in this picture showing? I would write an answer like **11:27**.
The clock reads **4:21**
